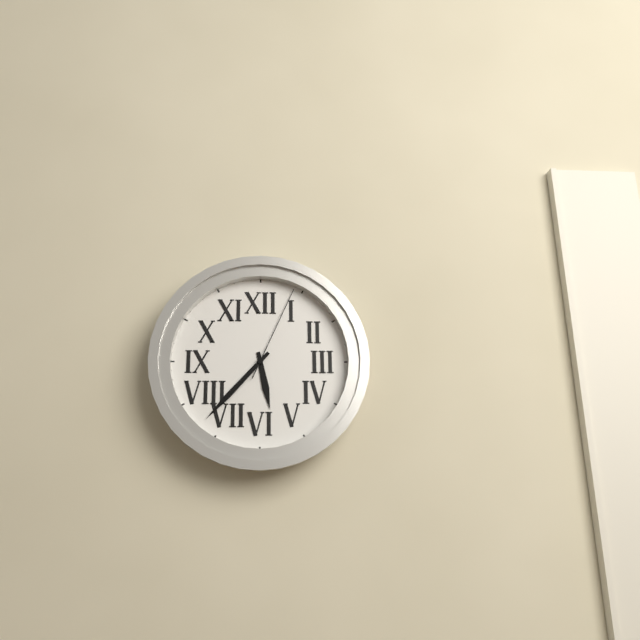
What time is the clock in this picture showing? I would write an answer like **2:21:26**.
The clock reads **5:37:04**
